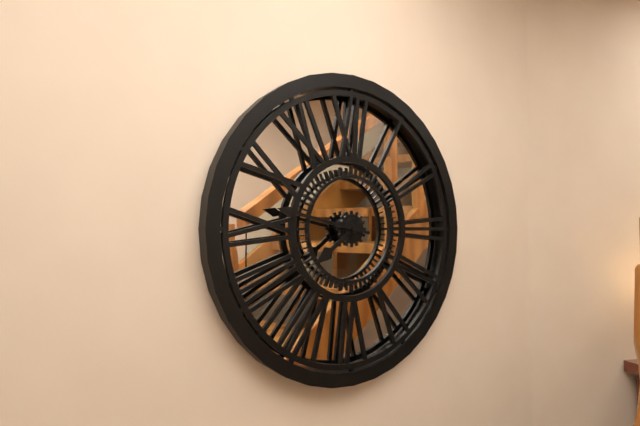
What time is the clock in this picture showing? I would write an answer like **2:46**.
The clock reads **7:47**
